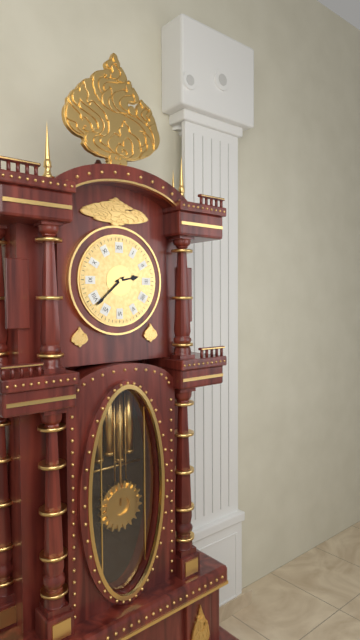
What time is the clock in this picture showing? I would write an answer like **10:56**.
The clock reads **2:38**
